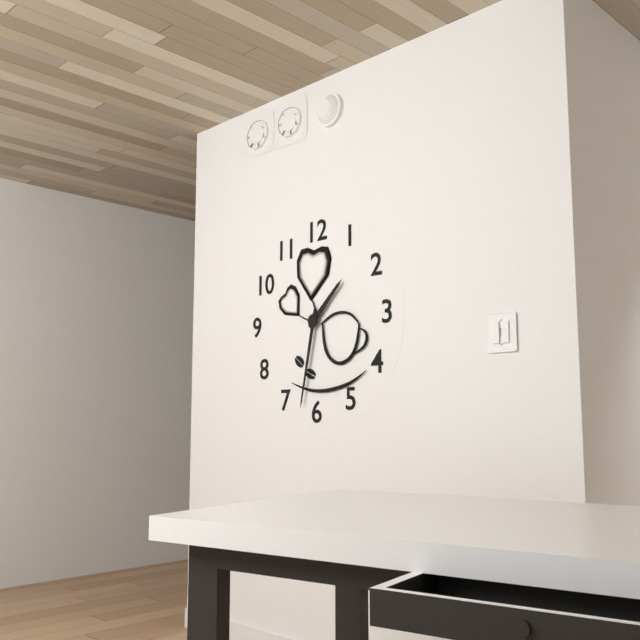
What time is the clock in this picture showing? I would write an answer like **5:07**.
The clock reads **1:32**
